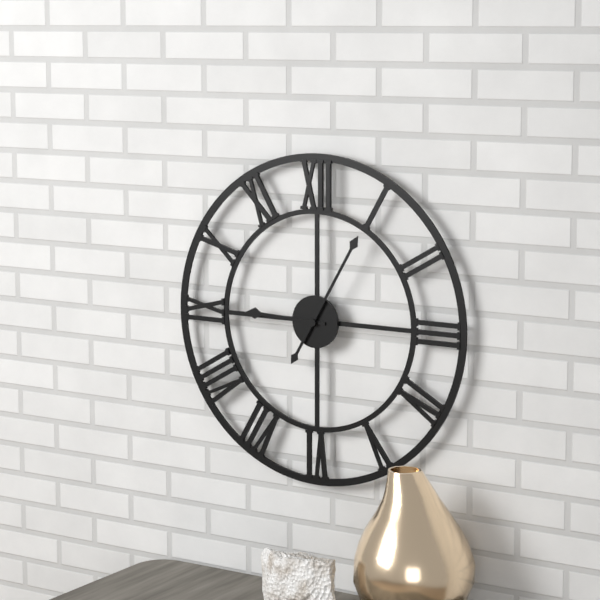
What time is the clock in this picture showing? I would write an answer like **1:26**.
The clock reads **9:05**
